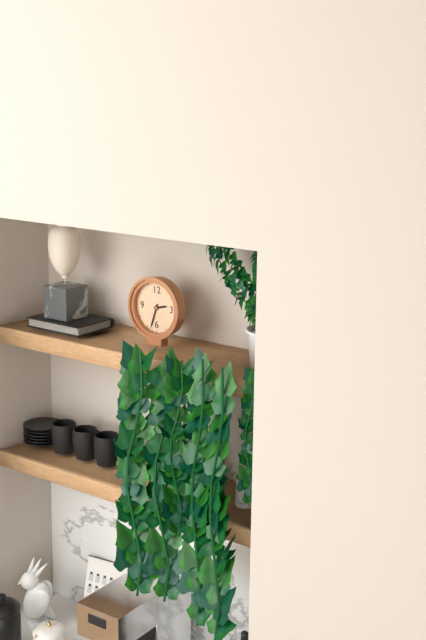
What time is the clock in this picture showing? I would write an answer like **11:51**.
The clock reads **2:33**
